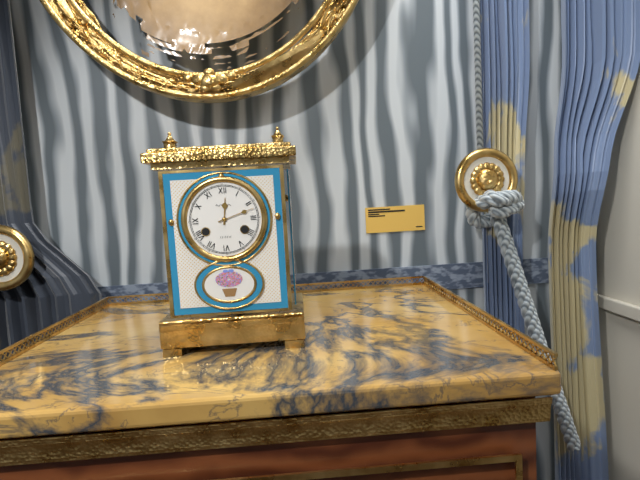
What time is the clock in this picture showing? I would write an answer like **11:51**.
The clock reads **12:12**
